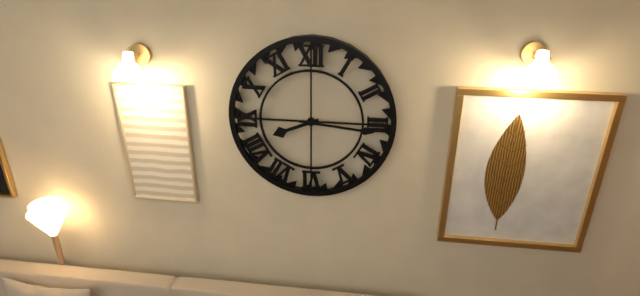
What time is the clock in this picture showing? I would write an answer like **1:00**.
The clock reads **8:16**
